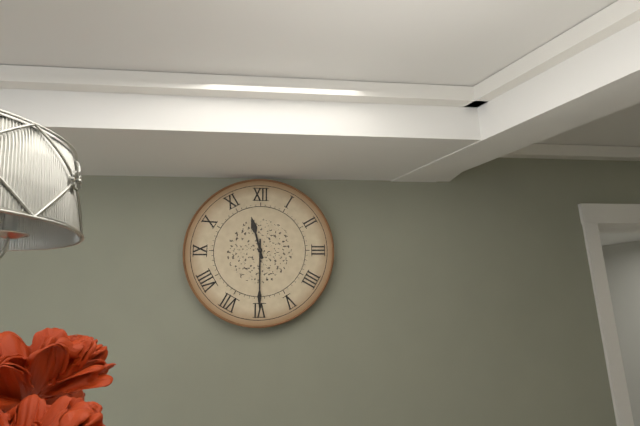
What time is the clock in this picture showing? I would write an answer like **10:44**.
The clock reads **11:30**
